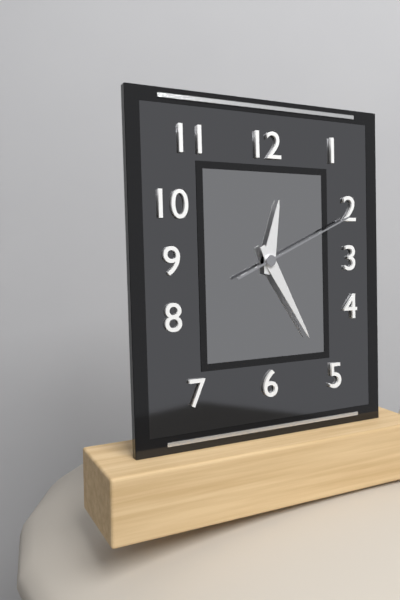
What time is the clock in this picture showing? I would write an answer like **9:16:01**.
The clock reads **12:25:11**
